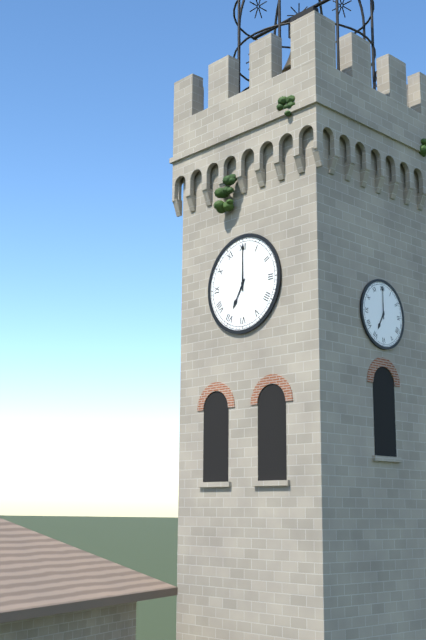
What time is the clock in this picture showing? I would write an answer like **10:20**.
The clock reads **7:00**
